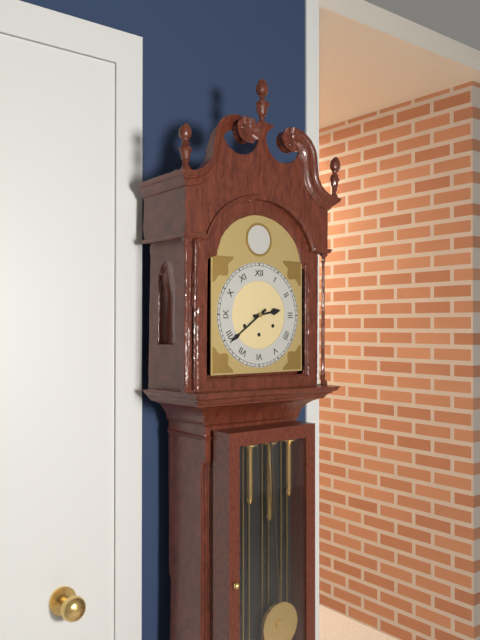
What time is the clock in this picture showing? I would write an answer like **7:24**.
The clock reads **2:39**
